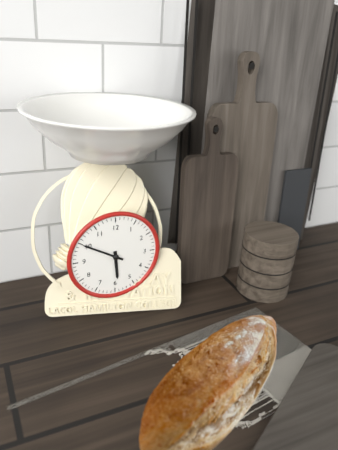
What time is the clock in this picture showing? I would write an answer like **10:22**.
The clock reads **5:50**
